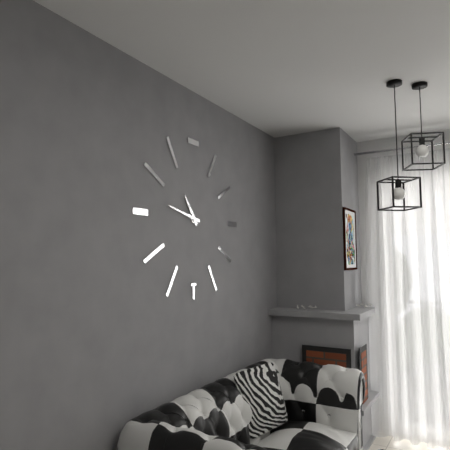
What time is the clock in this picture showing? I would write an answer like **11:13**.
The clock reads **10:47**
